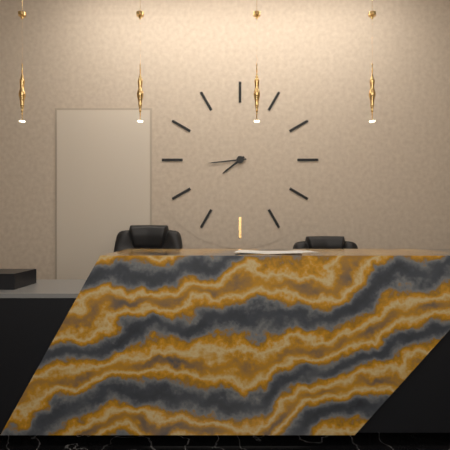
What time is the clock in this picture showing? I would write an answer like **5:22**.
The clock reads **7:44**
